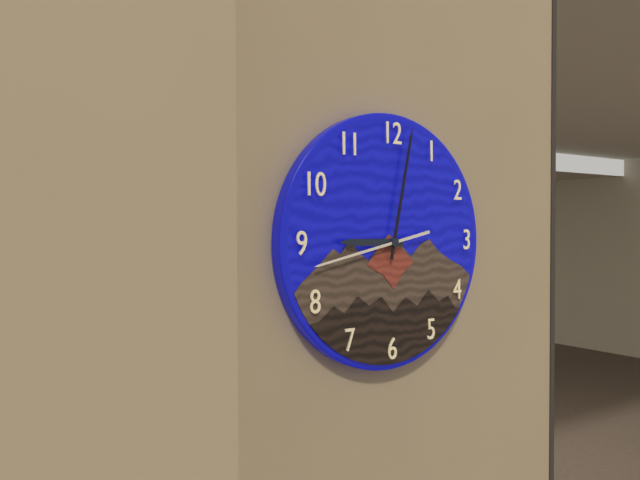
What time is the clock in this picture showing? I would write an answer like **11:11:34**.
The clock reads **9:02:43**
